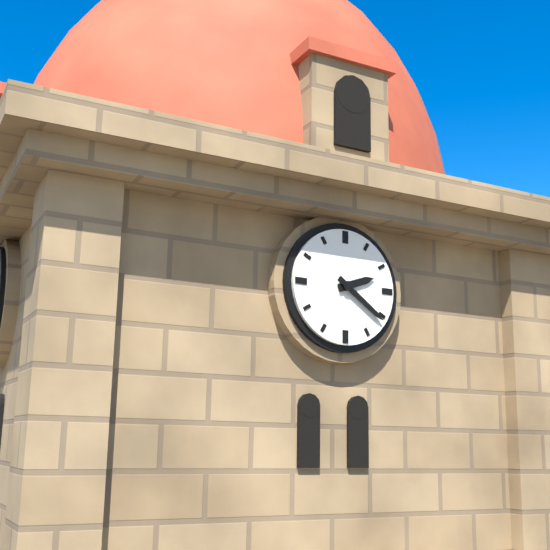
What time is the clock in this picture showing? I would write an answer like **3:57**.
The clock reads **2:21**
